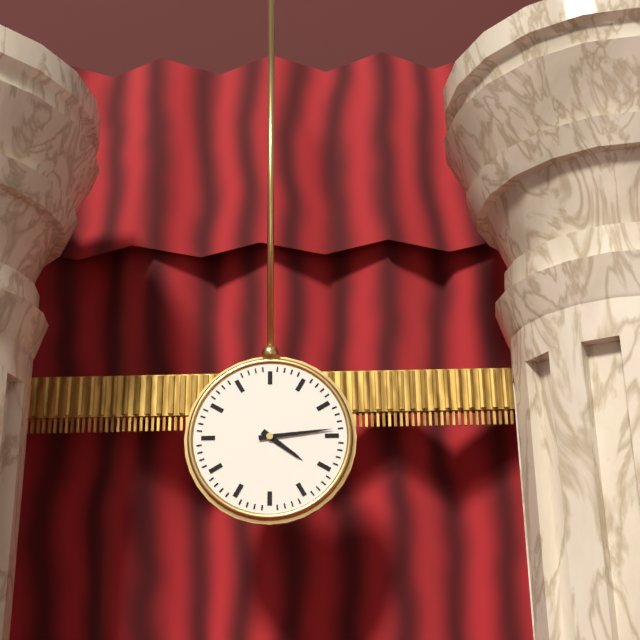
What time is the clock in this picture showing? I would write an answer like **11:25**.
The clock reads **4:14**
